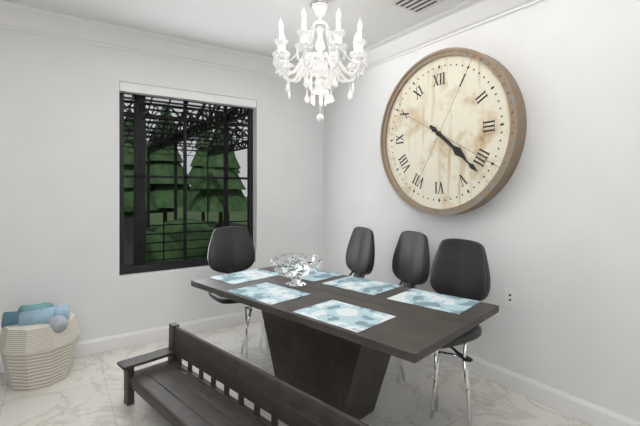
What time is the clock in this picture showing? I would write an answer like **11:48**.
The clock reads **4:22**
